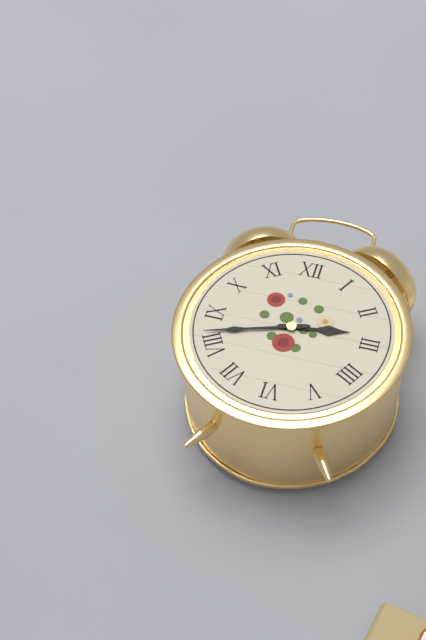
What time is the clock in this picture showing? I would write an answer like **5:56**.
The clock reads **2:42**
